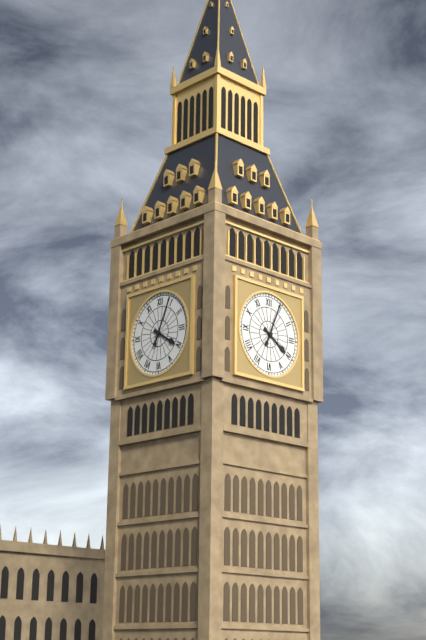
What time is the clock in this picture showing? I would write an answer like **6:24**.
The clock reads **4:04**
